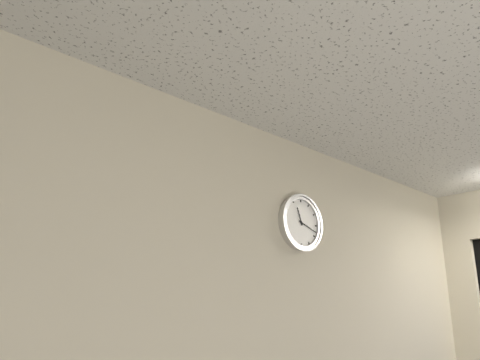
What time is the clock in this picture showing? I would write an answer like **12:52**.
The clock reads **11:18**
